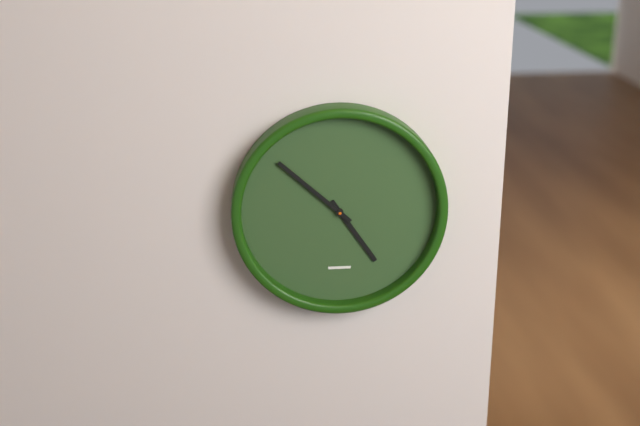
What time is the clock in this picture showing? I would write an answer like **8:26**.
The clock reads **4:52**
